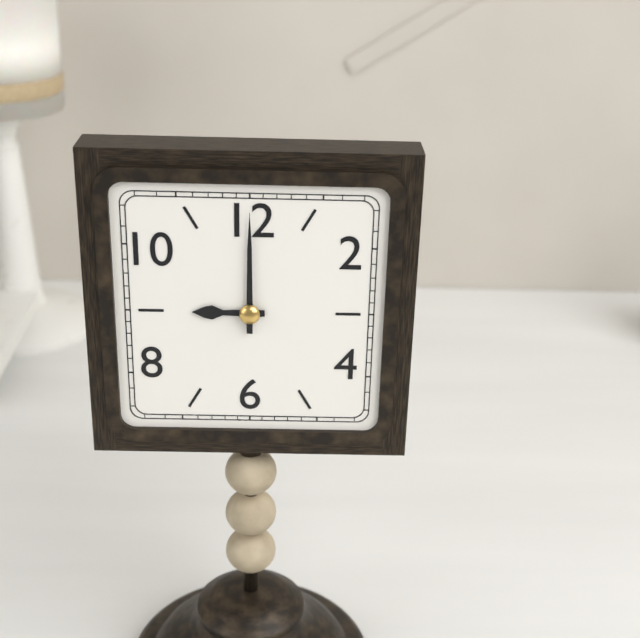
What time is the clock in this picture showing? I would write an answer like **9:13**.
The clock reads **9:00**
